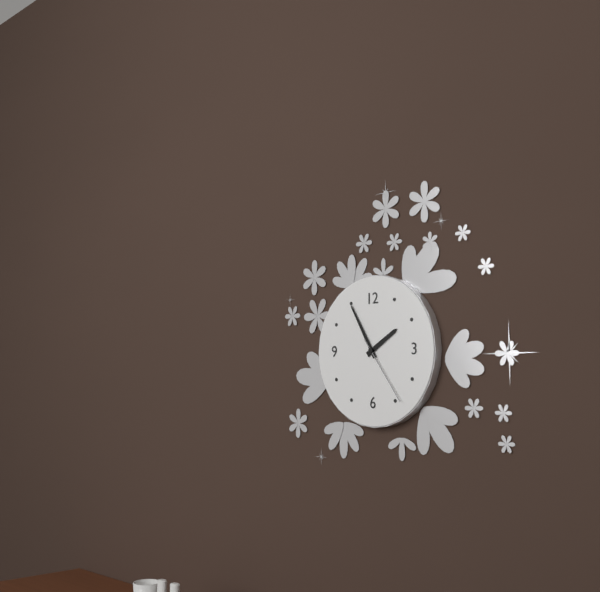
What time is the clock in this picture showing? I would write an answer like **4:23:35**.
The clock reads **1:55:24**
